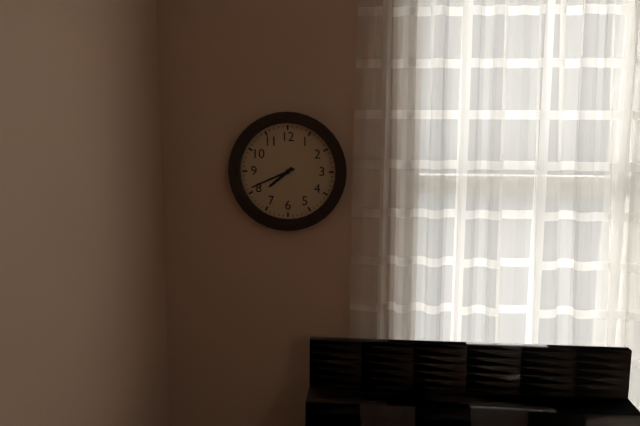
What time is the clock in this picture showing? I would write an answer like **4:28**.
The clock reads **7:41**
